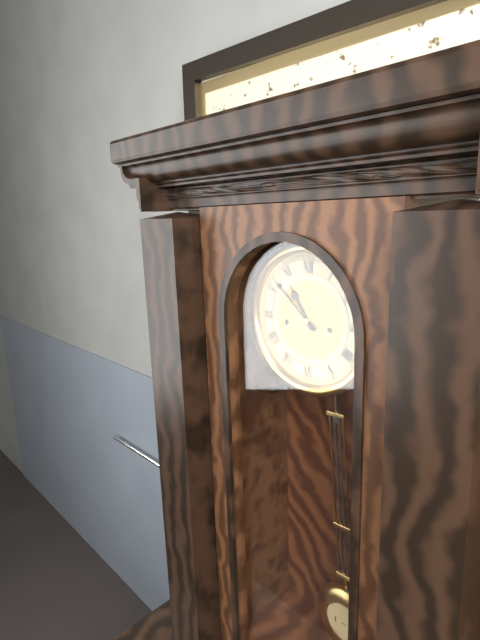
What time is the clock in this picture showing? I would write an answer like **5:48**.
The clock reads **10:52**
